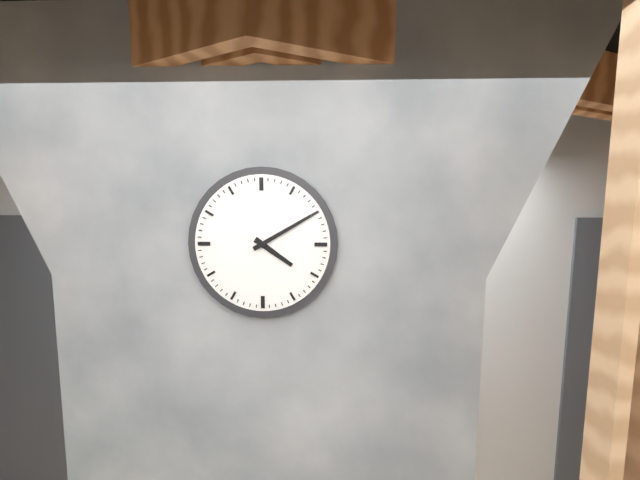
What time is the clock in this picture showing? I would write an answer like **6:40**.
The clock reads **4:10**
